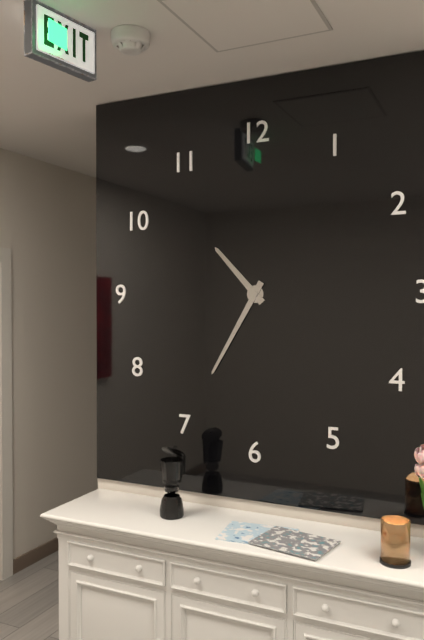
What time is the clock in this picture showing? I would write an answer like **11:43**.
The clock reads **10:35**
